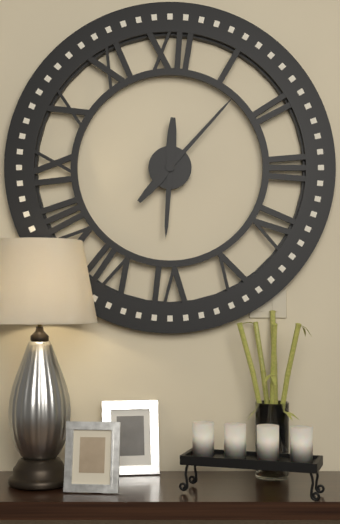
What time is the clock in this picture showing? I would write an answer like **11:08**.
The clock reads **6:07**
